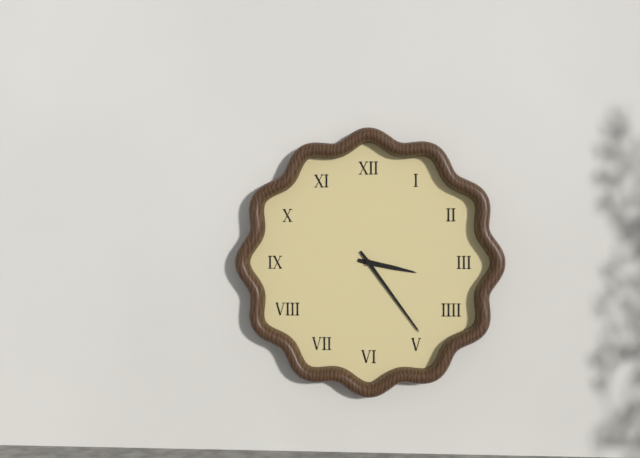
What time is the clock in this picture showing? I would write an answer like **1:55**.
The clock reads **3:24**
